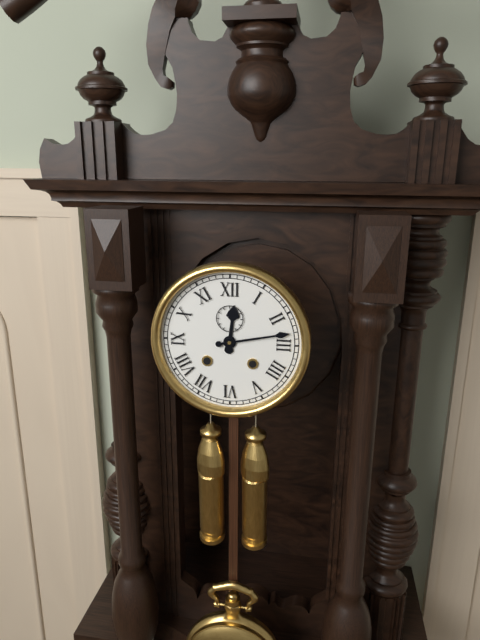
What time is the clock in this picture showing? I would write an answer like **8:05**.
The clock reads **12:13**
